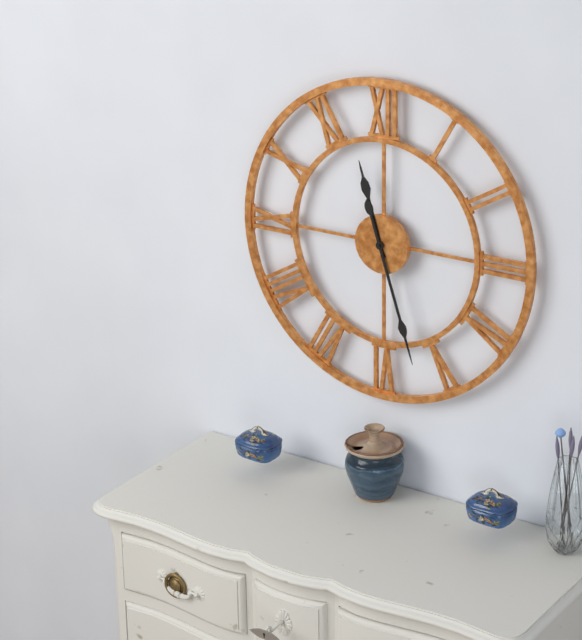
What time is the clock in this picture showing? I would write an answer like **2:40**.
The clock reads **11:27**
